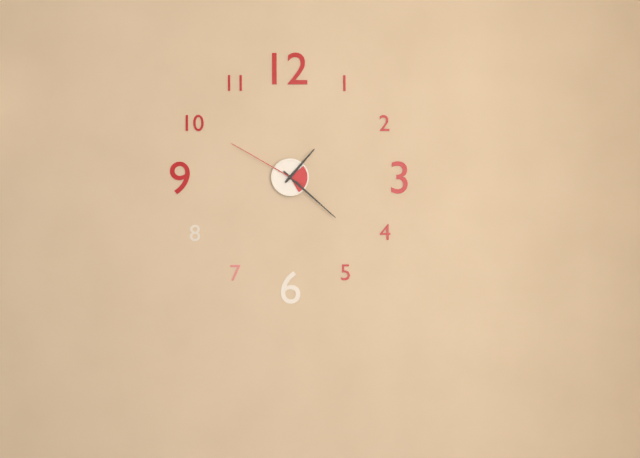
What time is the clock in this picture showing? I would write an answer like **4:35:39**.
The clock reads **1:22:50**
